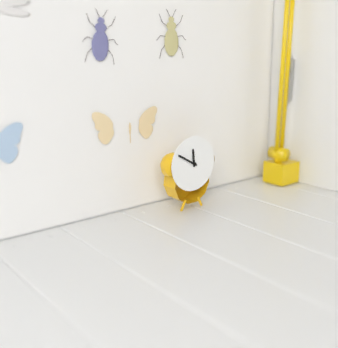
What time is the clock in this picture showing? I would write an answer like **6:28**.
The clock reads **11:50**
